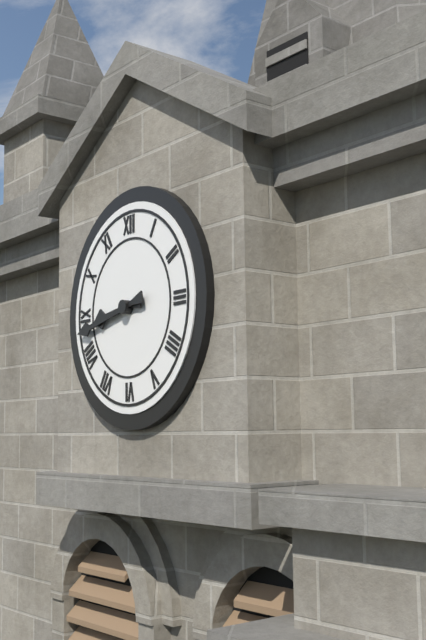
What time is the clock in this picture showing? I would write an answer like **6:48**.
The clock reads **8:43**
